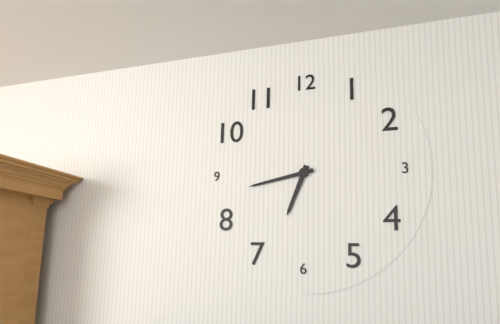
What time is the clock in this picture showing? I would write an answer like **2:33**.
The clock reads **6:43**
